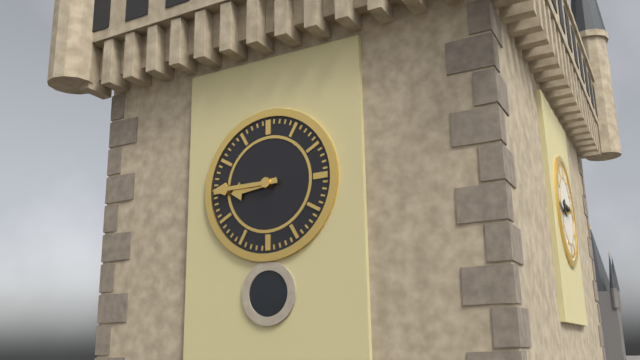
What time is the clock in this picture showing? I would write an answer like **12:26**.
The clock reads **8:45**
